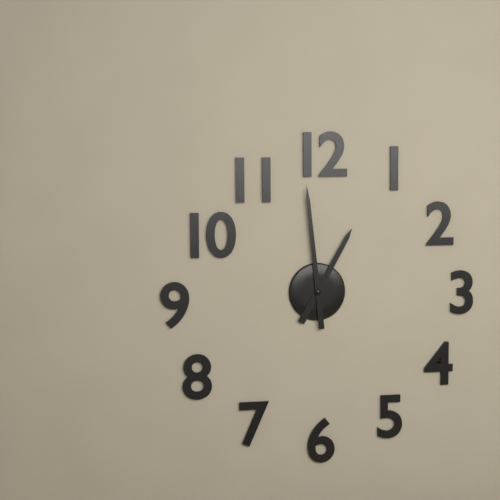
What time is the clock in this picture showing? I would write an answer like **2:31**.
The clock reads **12:59**
